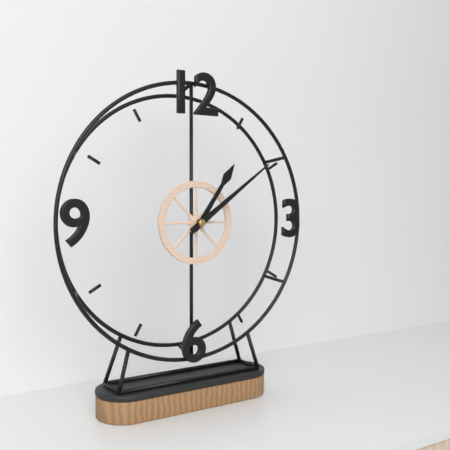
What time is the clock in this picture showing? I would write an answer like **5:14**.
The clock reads **1:09**
